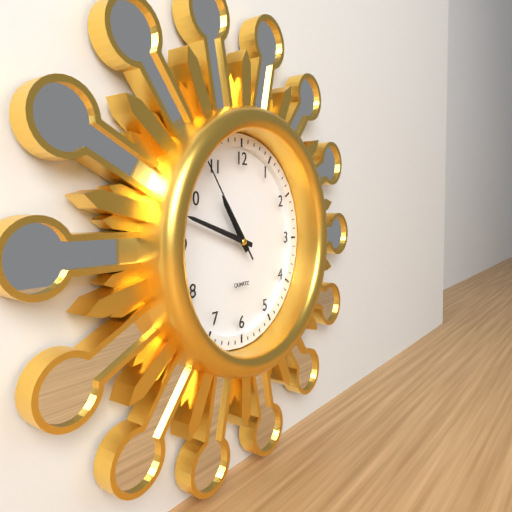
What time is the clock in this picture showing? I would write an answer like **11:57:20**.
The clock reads **10:48:54**
